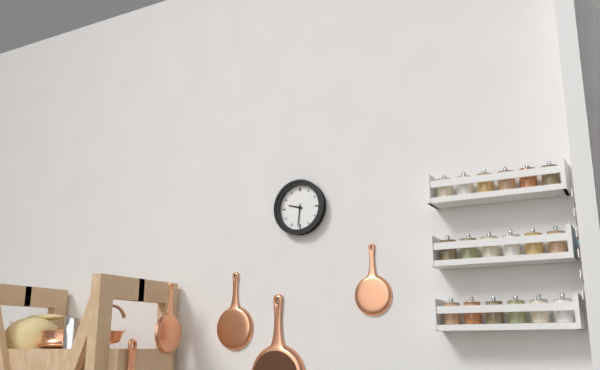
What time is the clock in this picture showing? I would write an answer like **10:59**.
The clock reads **9:31**
